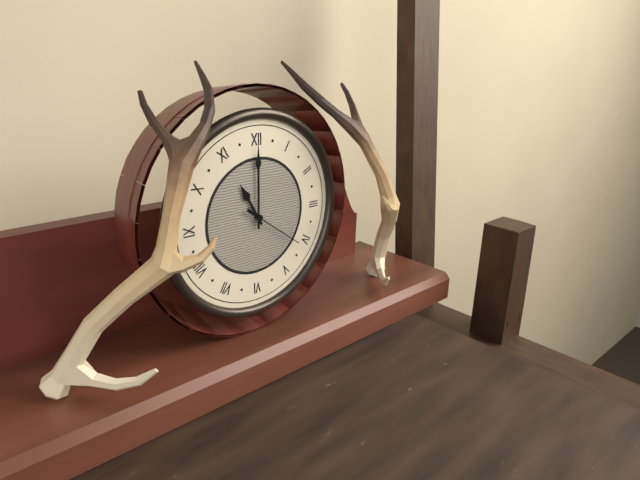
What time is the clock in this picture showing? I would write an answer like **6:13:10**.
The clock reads **11:00:21**
